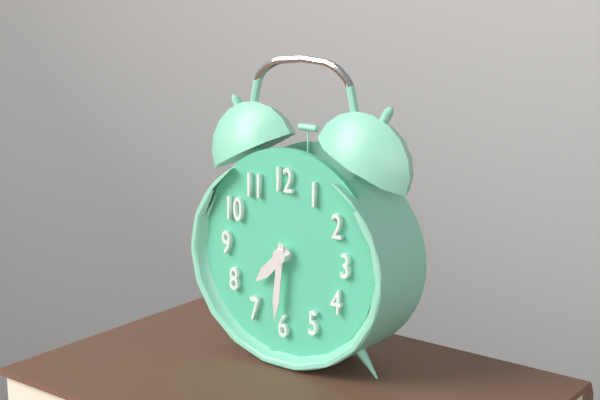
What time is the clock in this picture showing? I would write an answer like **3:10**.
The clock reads **7:31**
